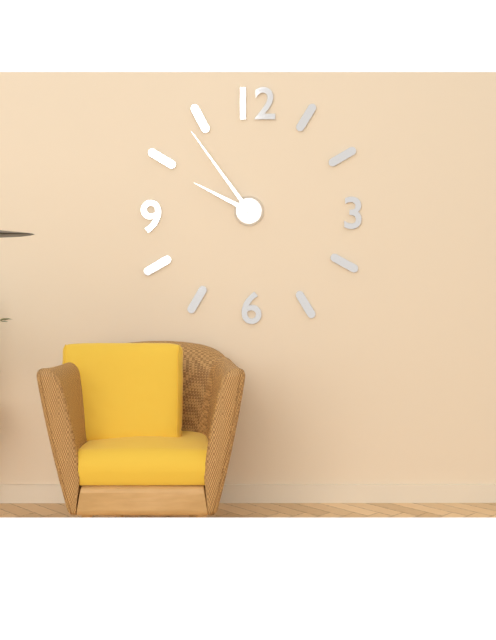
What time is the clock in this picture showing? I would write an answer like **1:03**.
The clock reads **9:54**
